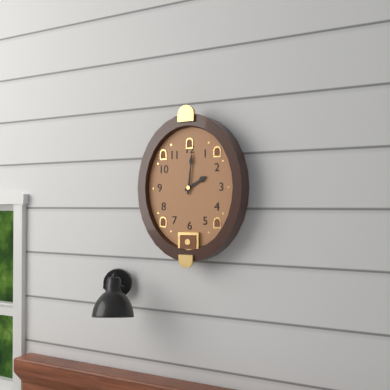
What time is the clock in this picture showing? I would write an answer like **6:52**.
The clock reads **2:01**
